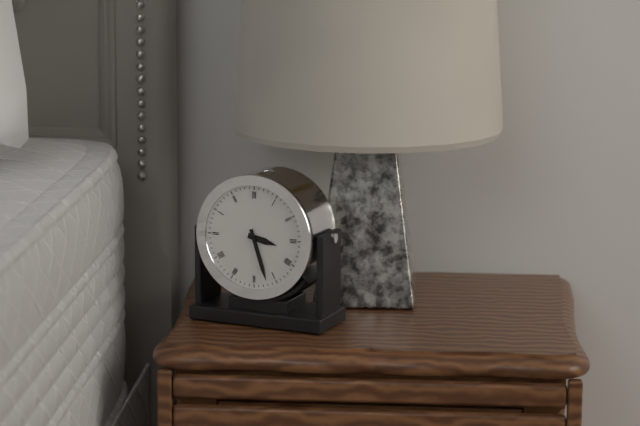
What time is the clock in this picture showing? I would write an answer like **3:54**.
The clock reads **3:27**
